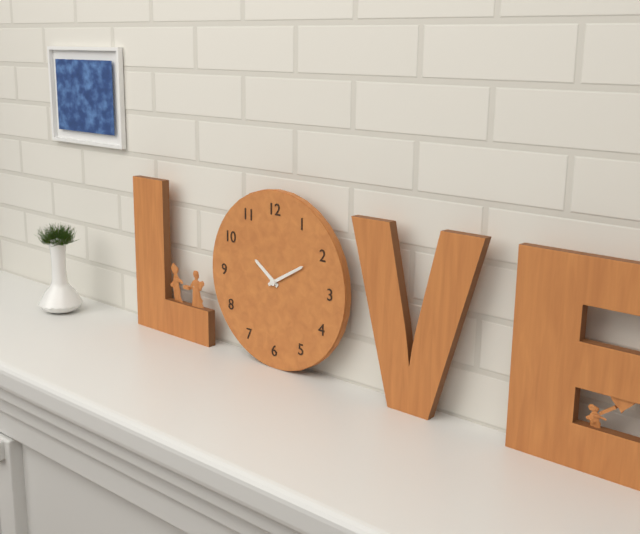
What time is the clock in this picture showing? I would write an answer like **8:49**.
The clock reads **10:10**
